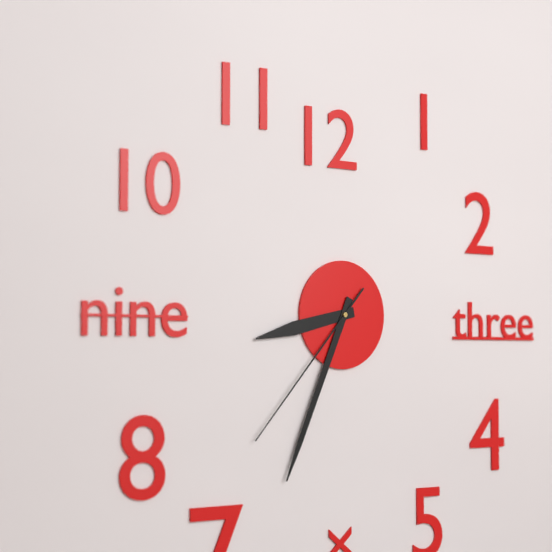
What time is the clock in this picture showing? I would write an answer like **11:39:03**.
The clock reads **8:34:37**
